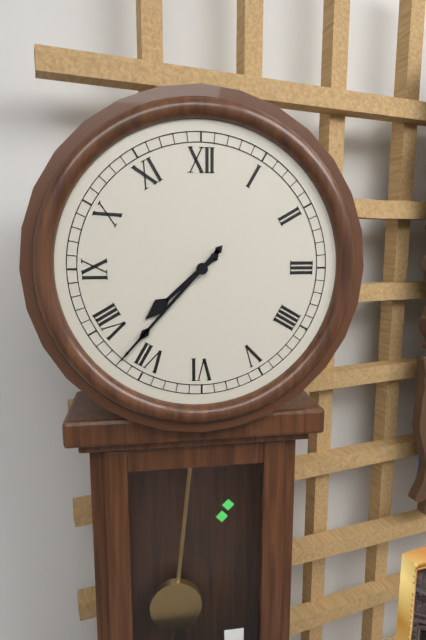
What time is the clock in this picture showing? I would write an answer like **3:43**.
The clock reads **7:37**
